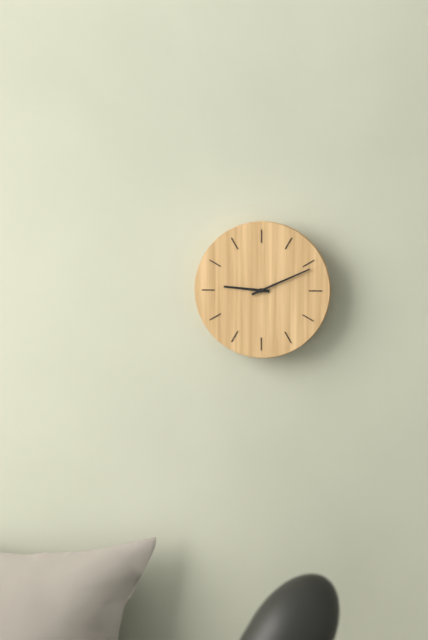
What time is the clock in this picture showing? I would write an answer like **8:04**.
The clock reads **9:11**
